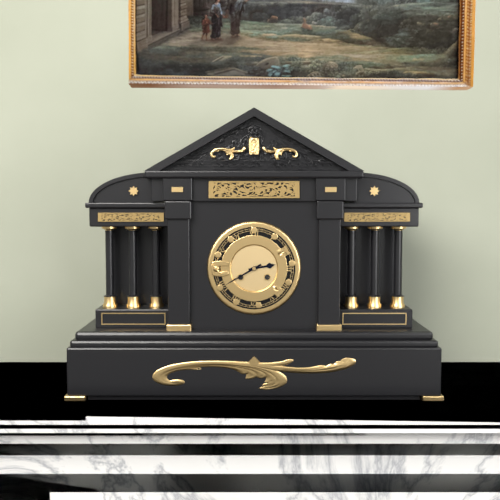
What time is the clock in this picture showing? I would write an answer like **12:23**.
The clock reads **2:40**
